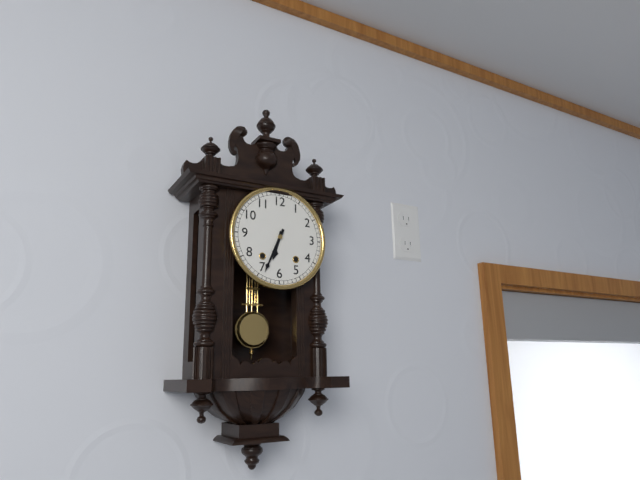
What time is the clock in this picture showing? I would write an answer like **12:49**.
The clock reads **6:34**
